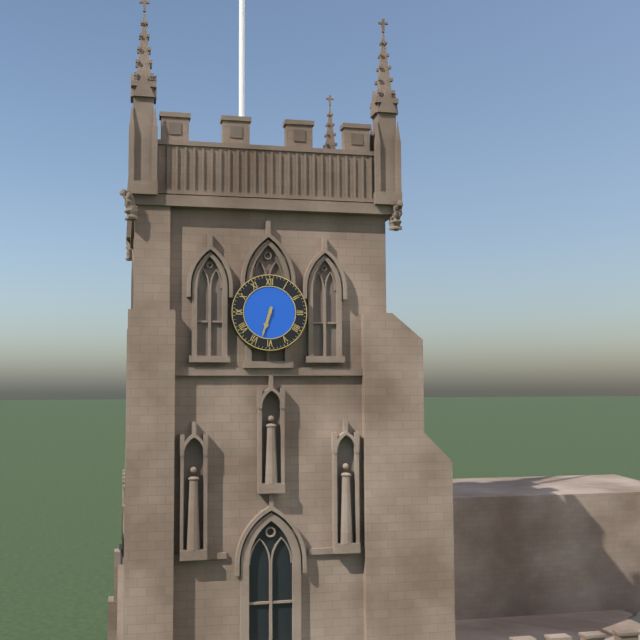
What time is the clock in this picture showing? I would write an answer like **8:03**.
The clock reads **6:33**
